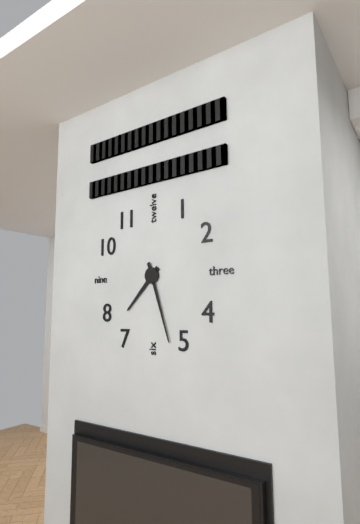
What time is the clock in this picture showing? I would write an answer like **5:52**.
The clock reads **7:27**
